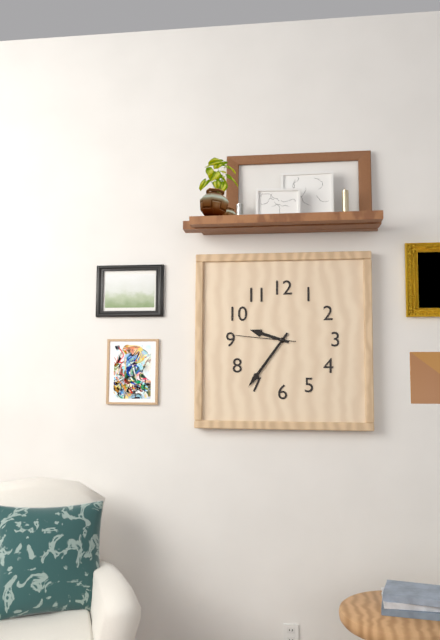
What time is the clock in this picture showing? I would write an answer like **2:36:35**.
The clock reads **9:36:46**
